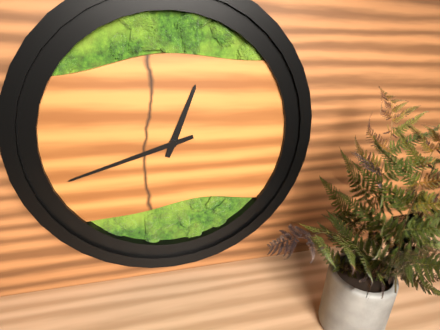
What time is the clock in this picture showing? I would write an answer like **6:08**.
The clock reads **12:42**
